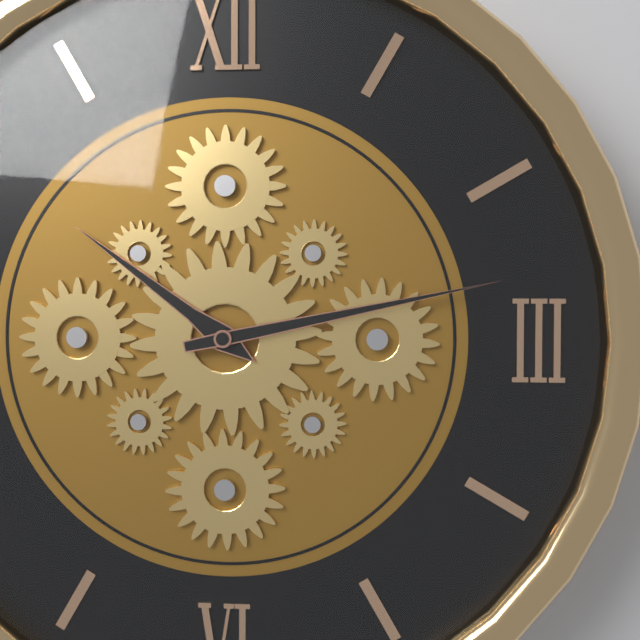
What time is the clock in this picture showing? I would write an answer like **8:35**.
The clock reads **10:13**
